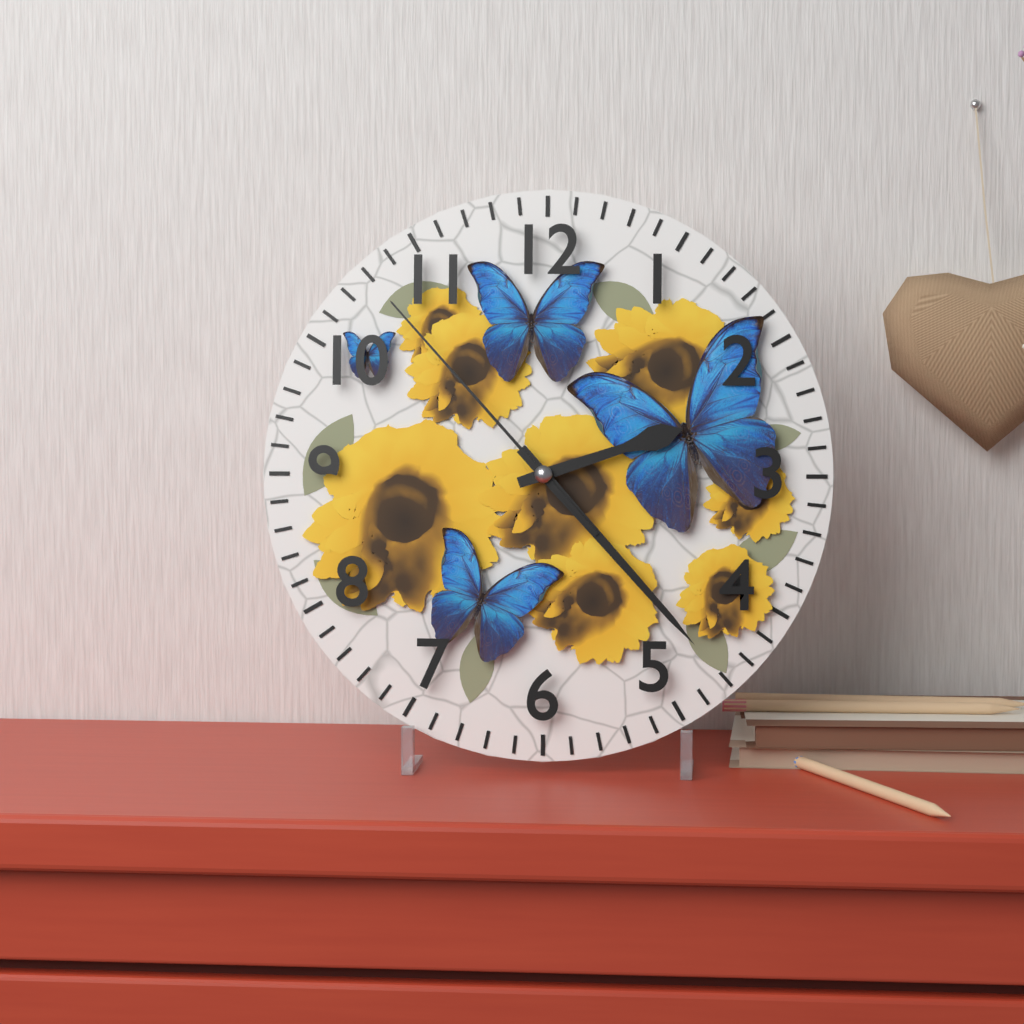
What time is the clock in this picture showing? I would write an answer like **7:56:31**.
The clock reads **2:23:53**
